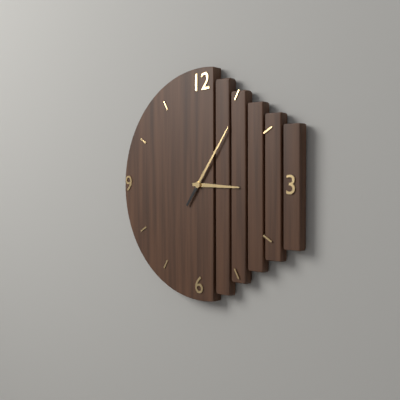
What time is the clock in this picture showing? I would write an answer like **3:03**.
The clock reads **3:06**
